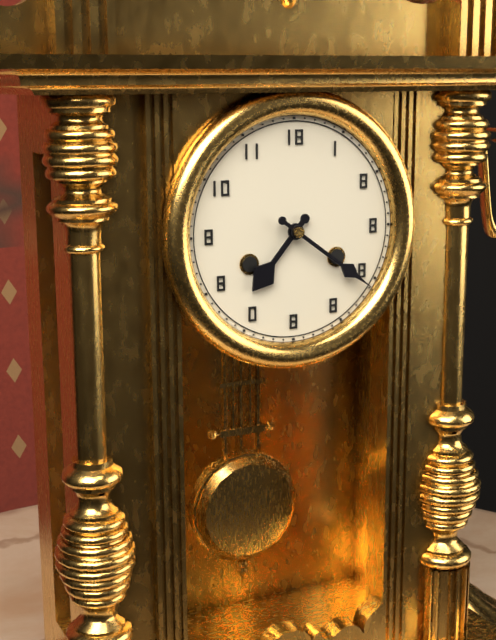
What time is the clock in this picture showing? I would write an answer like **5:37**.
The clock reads **7:21**
